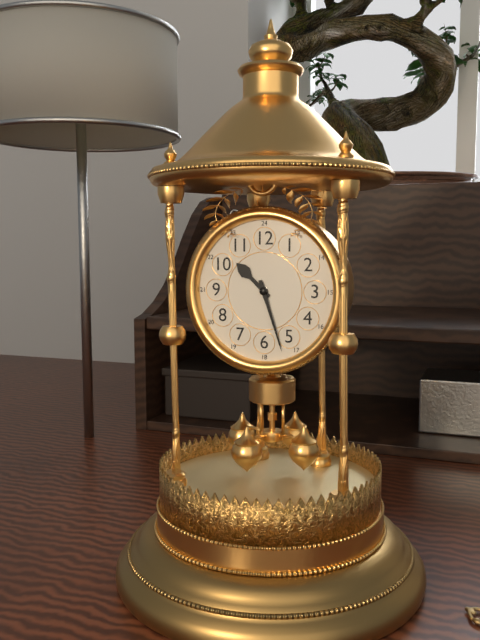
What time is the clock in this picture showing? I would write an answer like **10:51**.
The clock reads **10:27**
